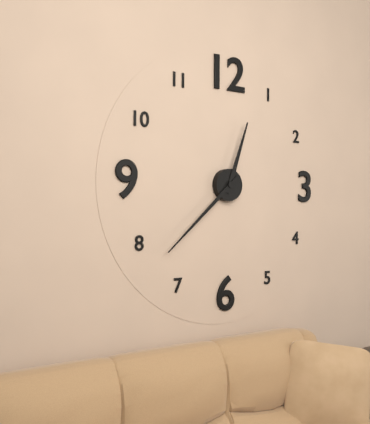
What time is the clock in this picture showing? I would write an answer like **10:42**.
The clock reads **12:38**
